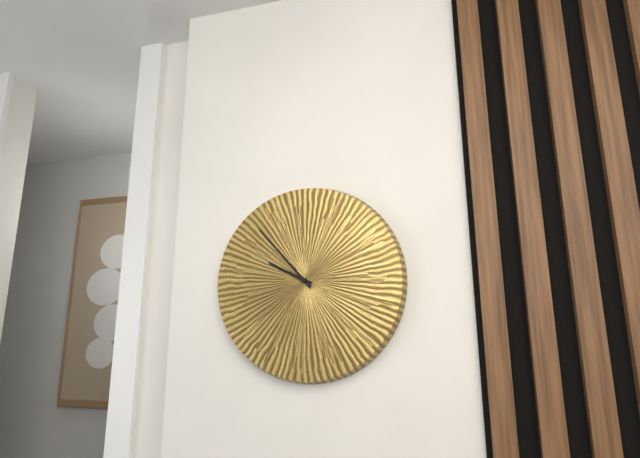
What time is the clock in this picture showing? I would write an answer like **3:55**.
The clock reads **9:53**
